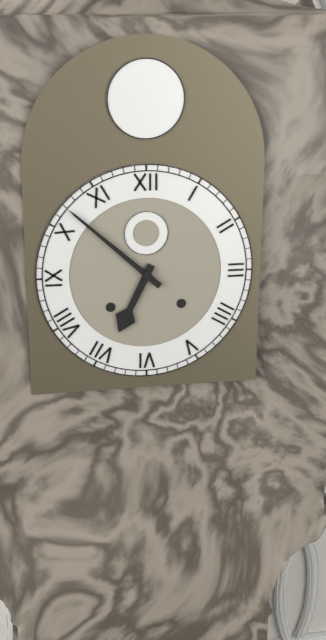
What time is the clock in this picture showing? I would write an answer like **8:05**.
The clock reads **6:52**
